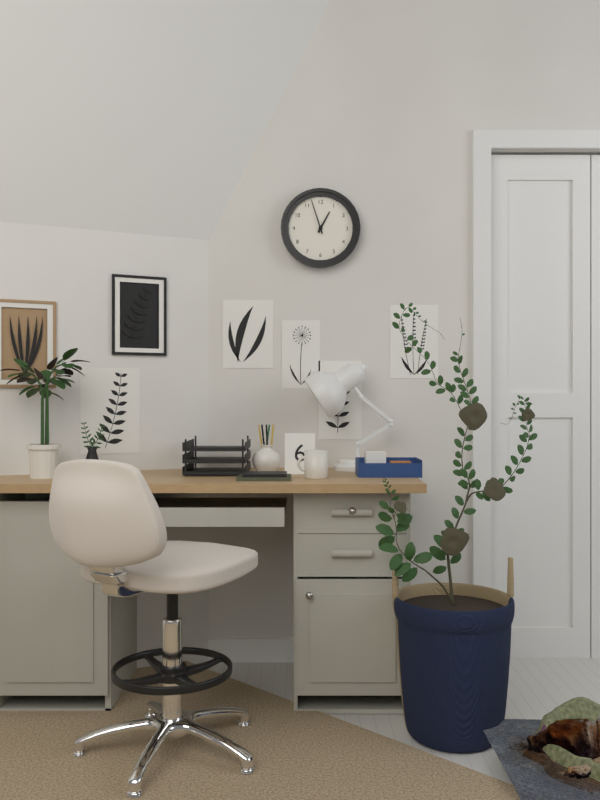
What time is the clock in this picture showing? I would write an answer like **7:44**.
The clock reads **12:57**
